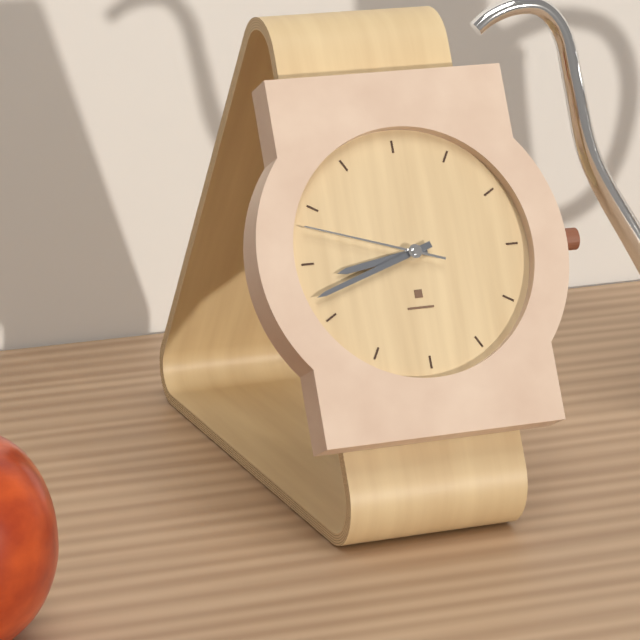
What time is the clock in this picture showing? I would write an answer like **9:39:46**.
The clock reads **8:42:48**
